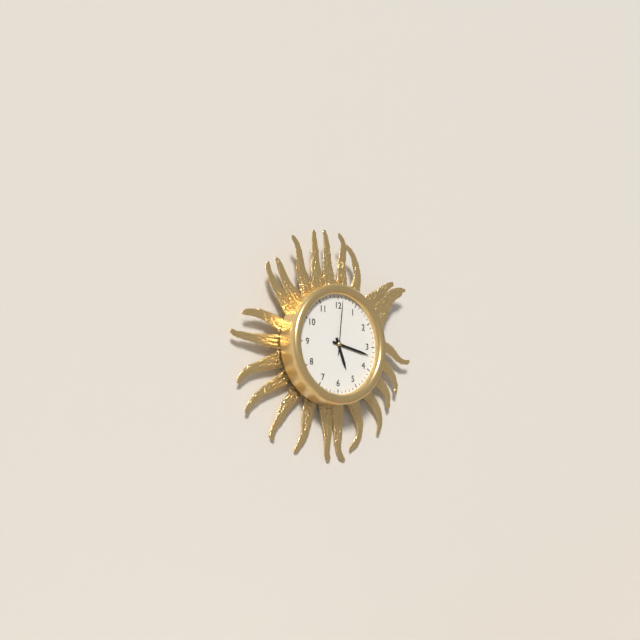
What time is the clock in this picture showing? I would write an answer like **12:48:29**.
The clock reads **5:17:01**
